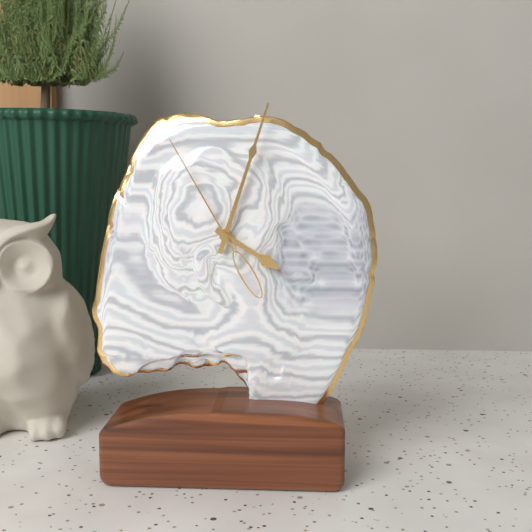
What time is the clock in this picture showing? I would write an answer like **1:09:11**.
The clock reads **4:03:55**
